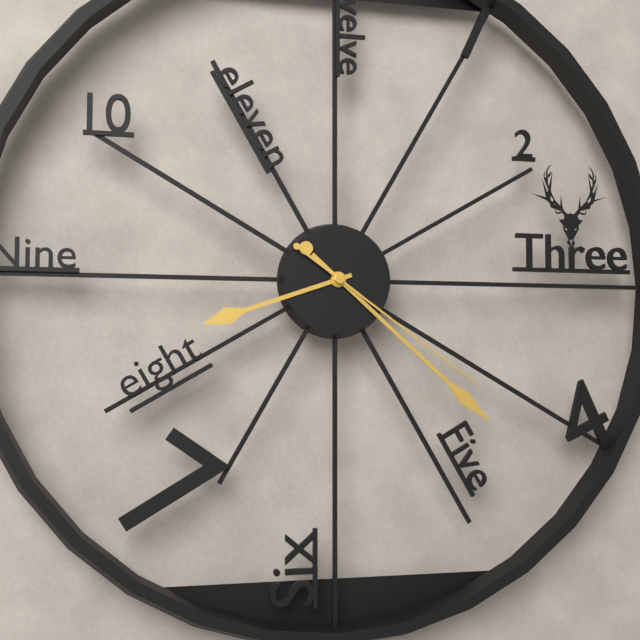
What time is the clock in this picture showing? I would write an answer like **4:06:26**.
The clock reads **8:22:21**
